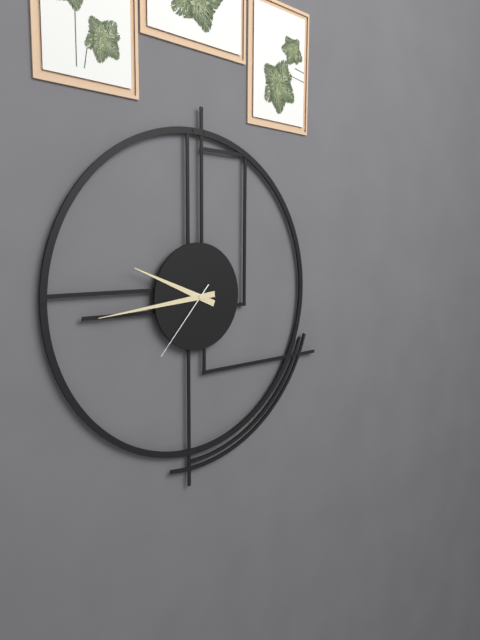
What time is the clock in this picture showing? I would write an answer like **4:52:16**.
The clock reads **9:44:37**
